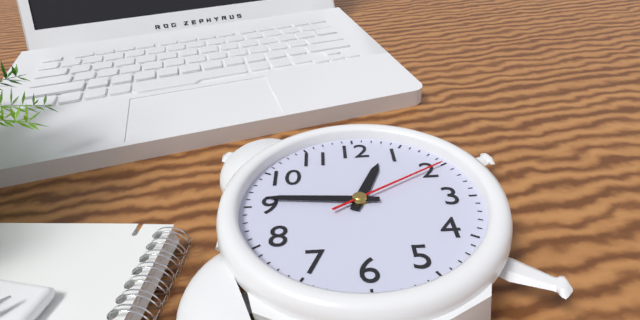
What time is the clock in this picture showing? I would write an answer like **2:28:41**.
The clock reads **12:46:10**
